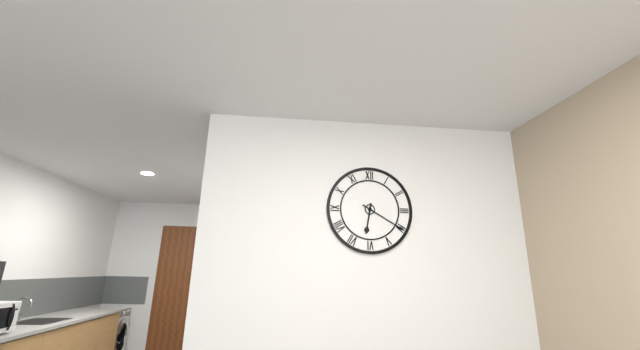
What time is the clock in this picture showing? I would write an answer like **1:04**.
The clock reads **6:20**
